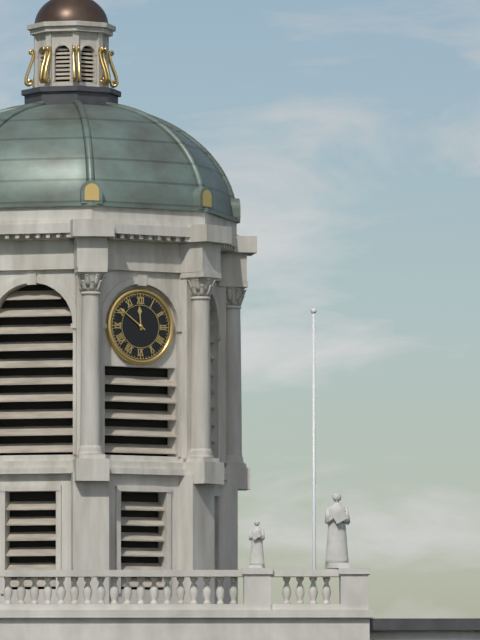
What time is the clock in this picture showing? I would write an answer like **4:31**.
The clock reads **11:51**
